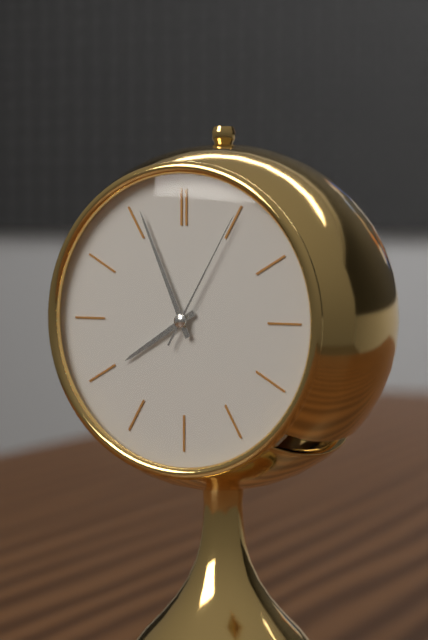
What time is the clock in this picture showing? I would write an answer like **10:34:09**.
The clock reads **7:56:05**
